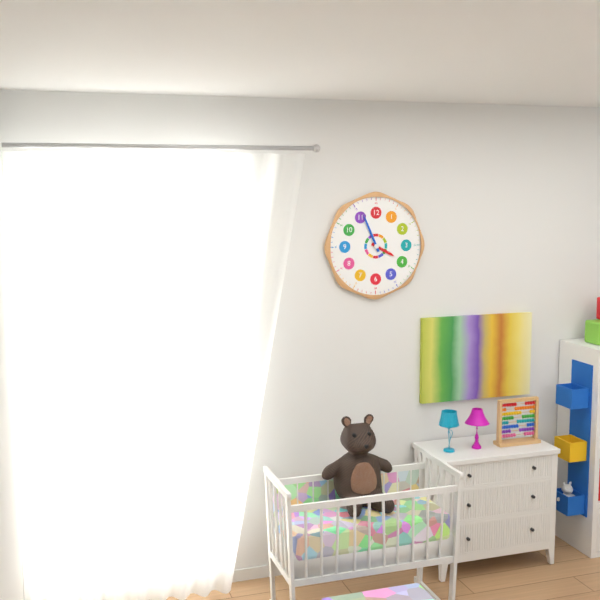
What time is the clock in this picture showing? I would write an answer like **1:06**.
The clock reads **3:56**
